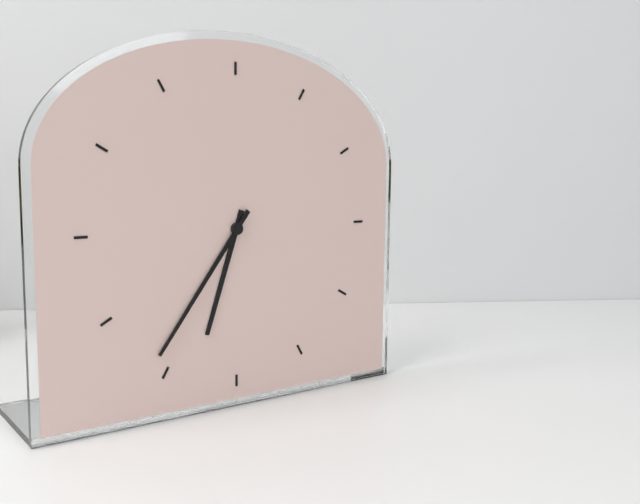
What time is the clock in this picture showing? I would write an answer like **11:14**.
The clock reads **6:36**
